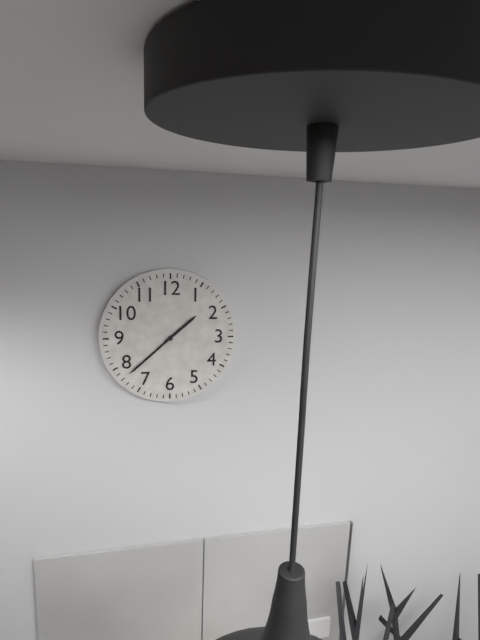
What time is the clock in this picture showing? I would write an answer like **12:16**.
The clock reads **1:38**
